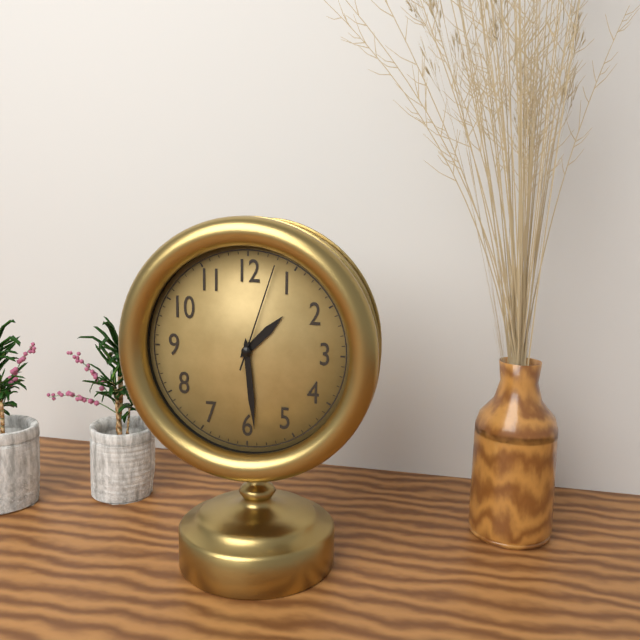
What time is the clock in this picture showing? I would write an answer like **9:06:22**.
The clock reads **1:29:03**
